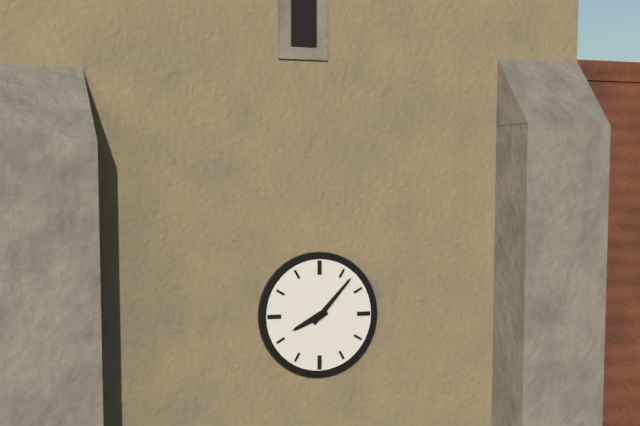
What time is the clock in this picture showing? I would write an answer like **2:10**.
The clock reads **8:07**
